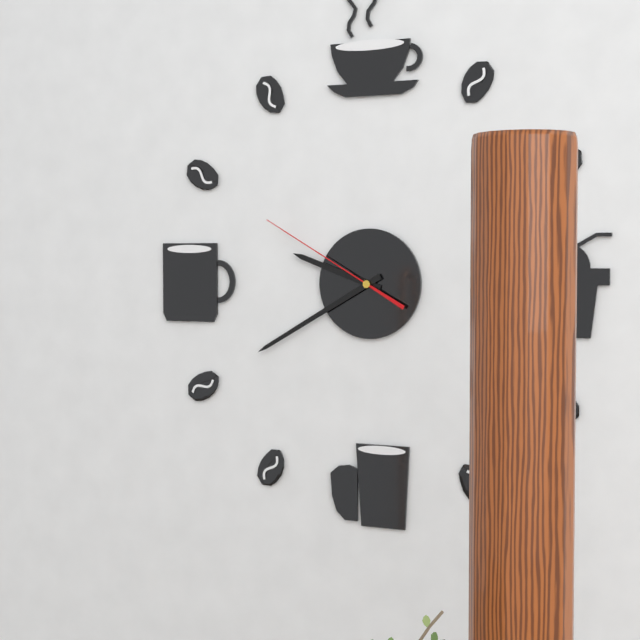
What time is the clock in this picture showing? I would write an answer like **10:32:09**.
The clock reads **9:40:50**
